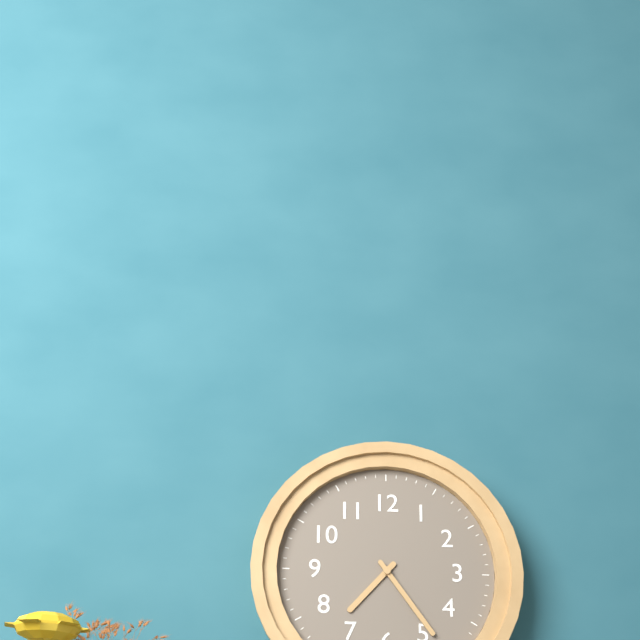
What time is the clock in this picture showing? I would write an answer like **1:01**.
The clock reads **7:24**
